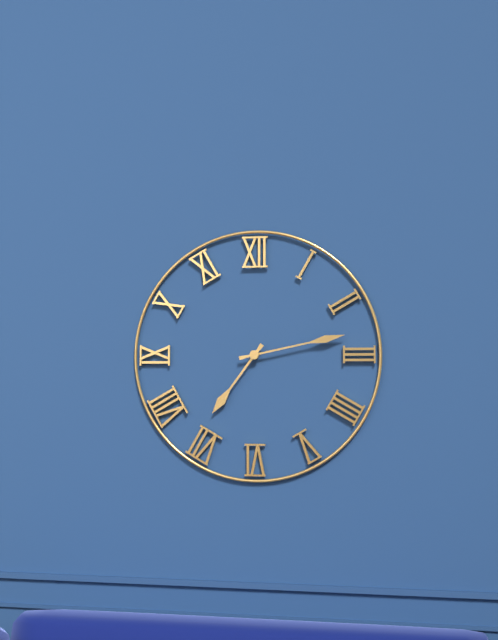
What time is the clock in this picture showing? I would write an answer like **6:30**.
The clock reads **7:13**
